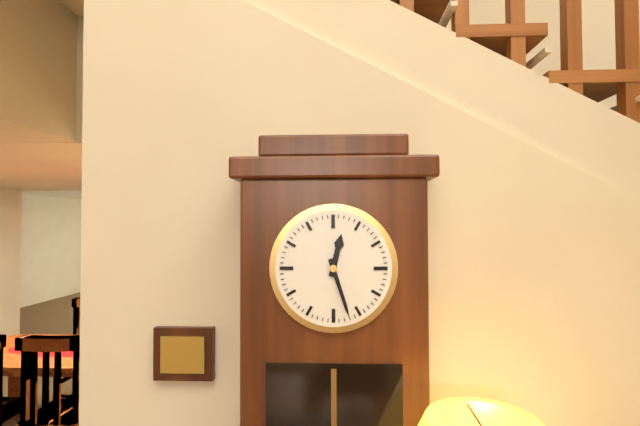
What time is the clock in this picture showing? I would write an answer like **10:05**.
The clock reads **12:27**
